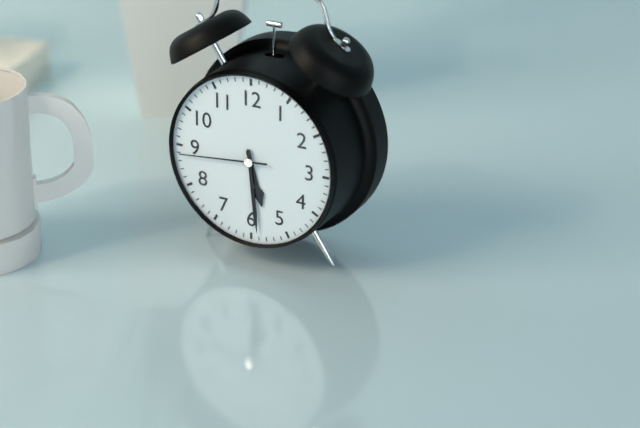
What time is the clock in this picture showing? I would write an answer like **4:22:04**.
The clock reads **5:29:44**
